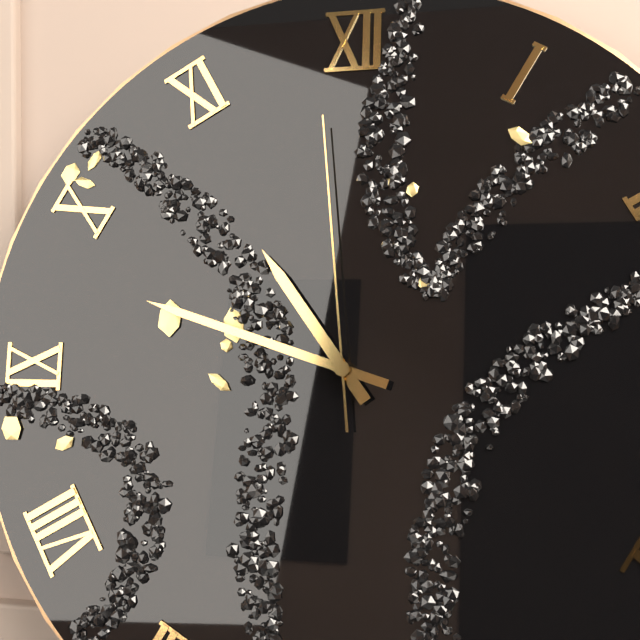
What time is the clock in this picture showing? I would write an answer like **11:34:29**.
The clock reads **10:48:59**
